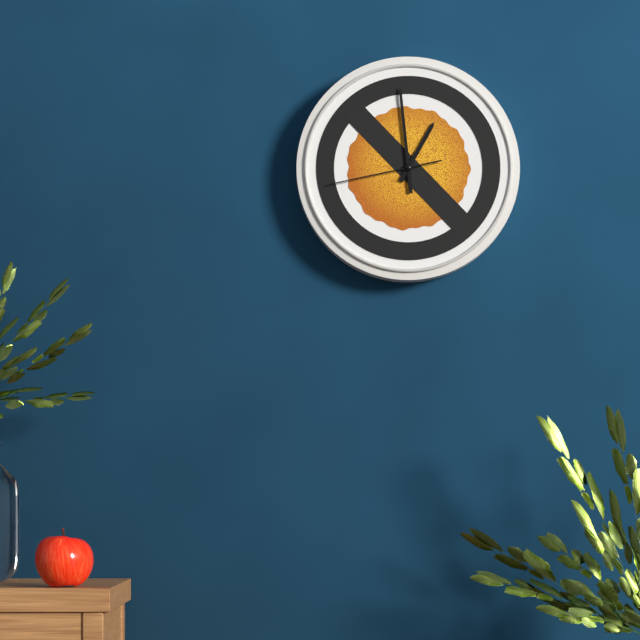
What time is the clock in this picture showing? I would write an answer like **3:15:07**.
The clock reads **12:59:43**
